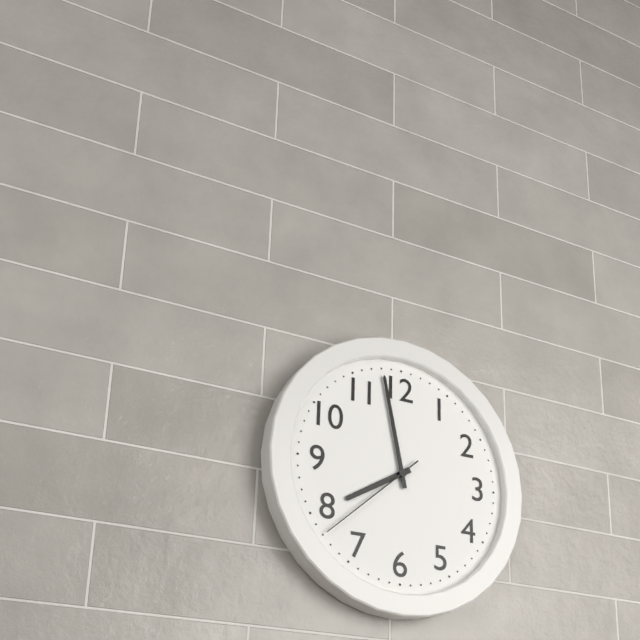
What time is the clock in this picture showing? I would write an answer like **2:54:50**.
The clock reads **7:58:38**
